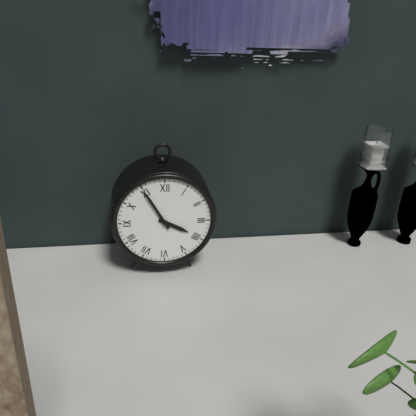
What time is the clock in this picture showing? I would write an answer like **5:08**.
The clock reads **3:55**
